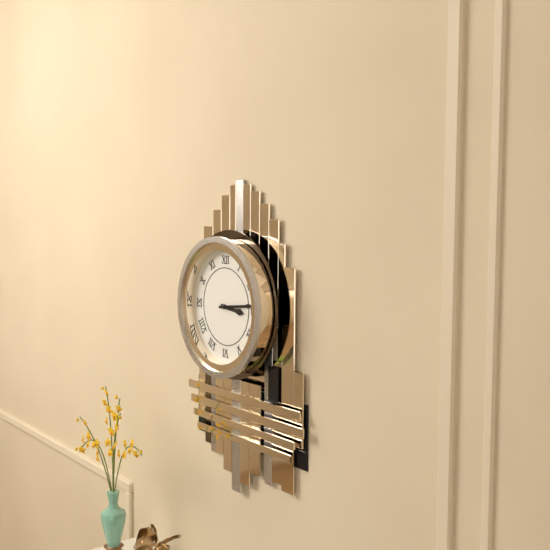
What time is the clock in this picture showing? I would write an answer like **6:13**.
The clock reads **3:14**
